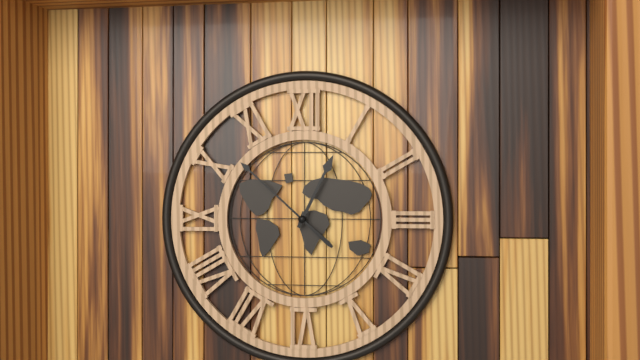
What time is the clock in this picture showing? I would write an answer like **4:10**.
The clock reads **12:52**
